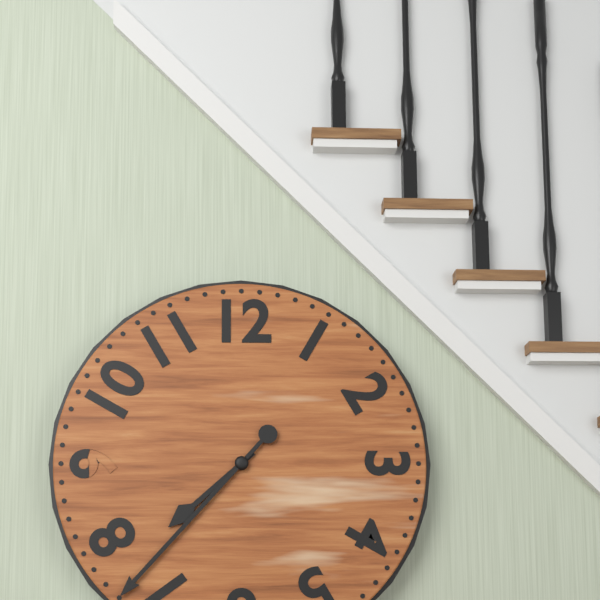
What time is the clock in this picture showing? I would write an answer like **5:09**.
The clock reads **7:37**
